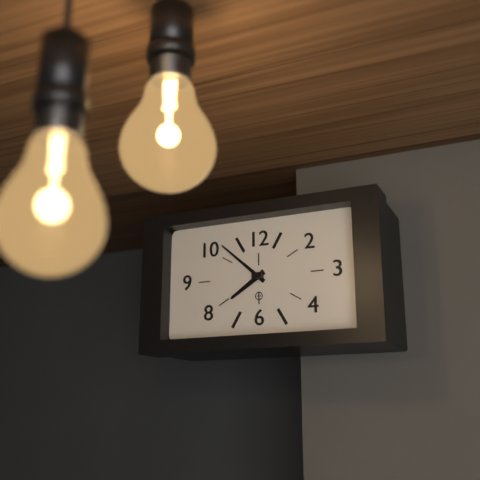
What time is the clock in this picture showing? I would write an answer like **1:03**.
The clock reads **7:52**
